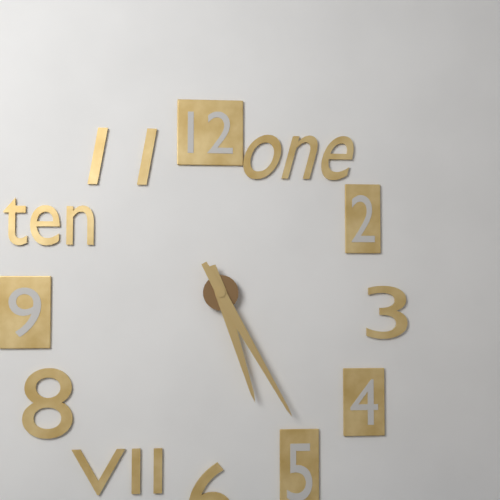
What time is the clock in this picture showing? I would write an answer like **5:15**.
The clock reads **5:25**
